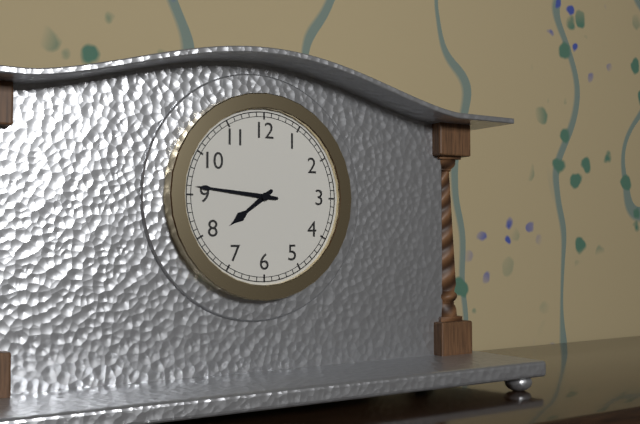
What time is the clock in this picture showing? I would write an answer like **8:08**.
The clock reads **7:46**
